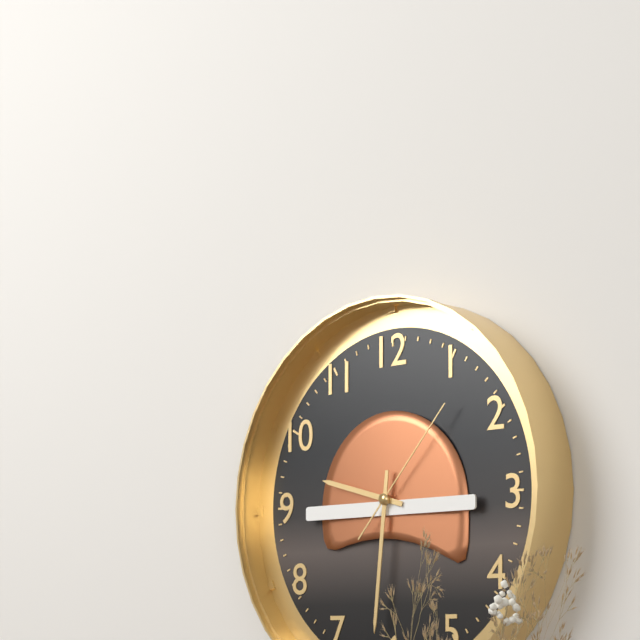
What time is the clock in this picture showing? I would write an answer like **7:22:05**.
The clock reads **9:31:07**
